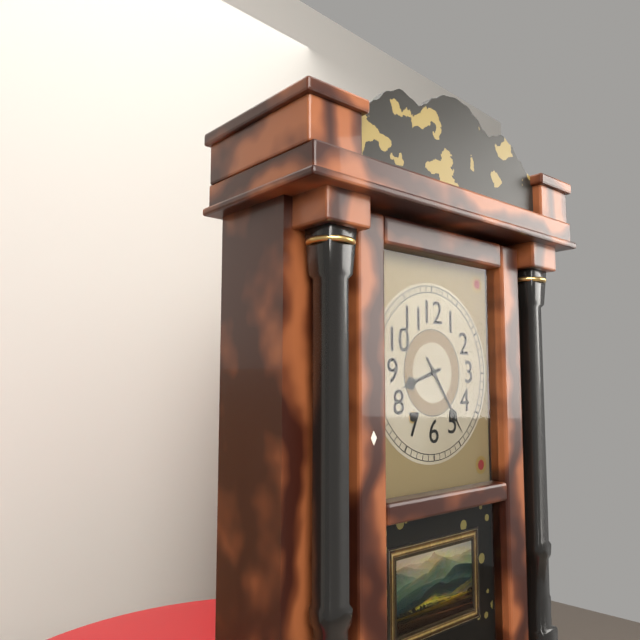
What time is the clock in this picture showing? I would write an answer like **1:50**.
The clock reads **8:24**
